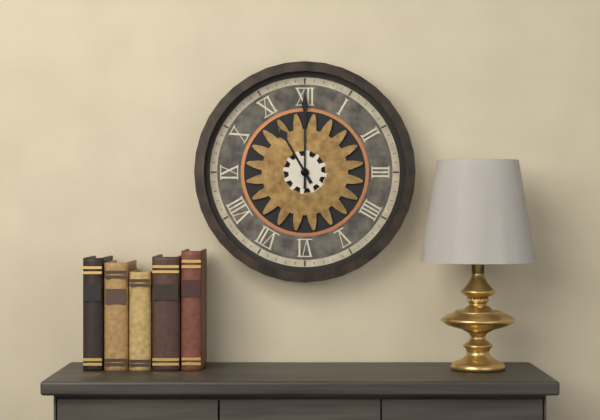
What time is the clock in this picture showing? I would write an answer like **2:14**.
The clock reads **11:00**
